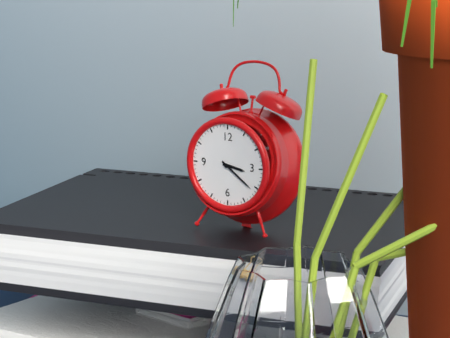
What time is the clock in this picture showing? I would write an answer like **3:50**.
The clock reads **3:21**
